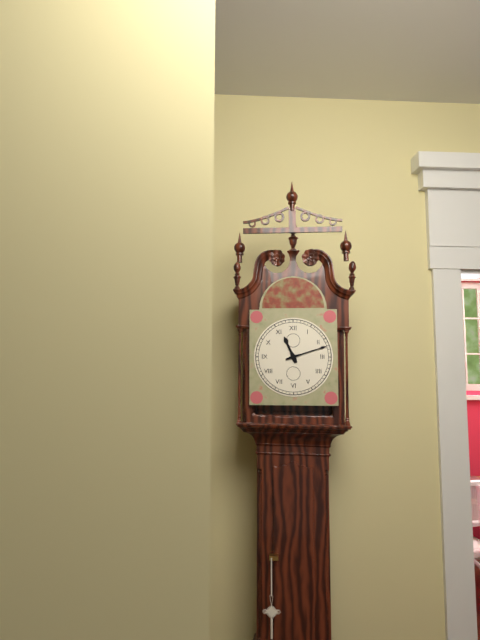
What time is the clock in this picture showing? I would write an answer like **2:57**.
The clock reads **11:12**
